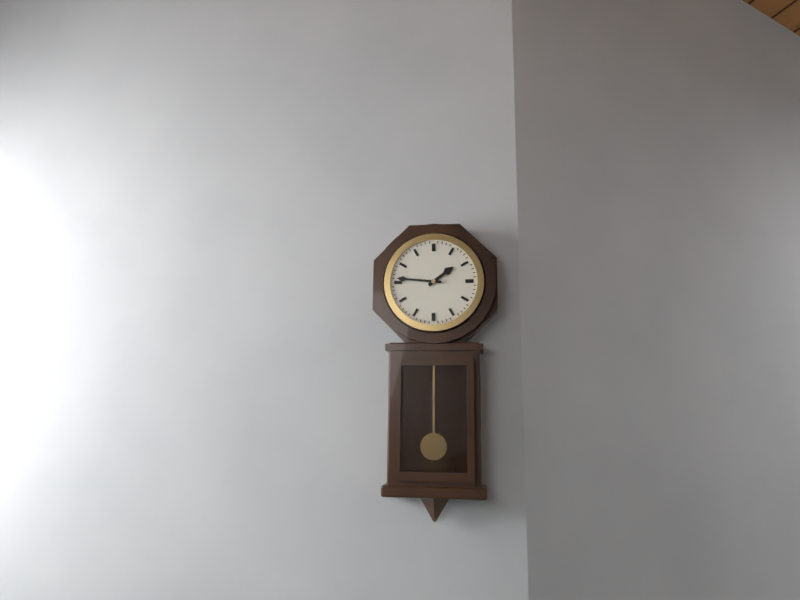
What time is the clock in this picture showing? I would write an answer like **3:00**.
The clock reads **1:46**
